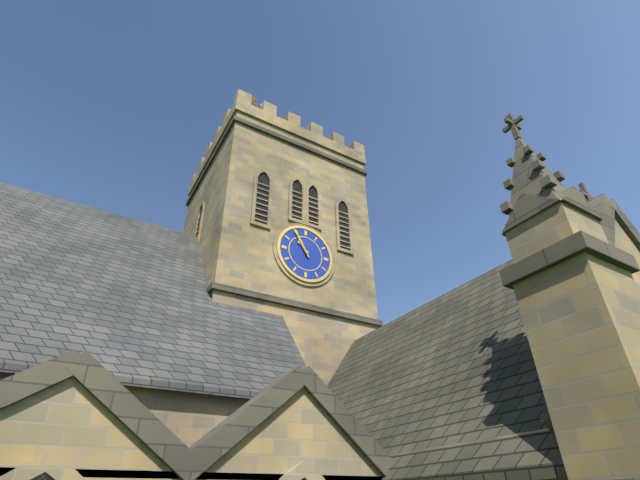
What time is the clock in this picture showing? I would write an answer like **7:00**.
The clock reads **10:55**
